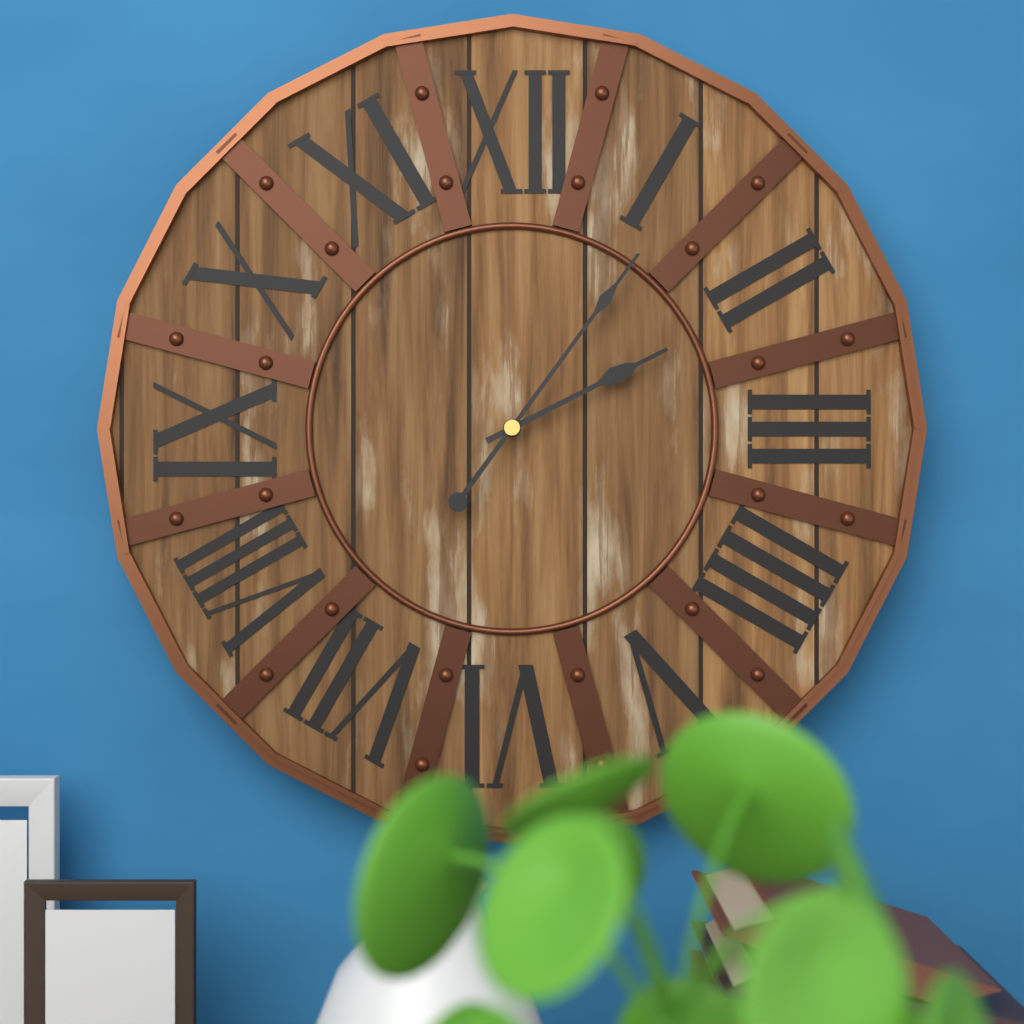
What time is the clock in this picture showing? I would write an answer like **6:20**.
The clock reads **2:06**
